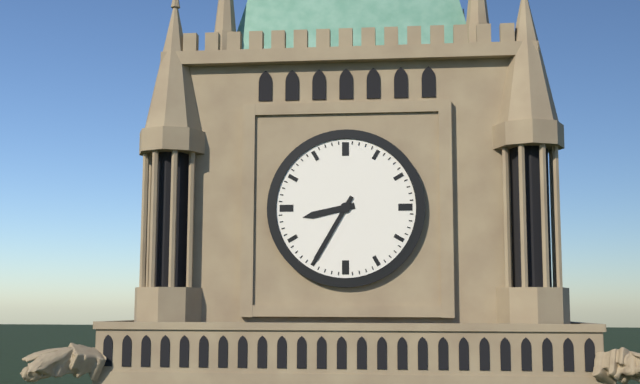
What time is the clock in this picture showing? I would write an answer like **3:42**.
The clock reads **8:35**
